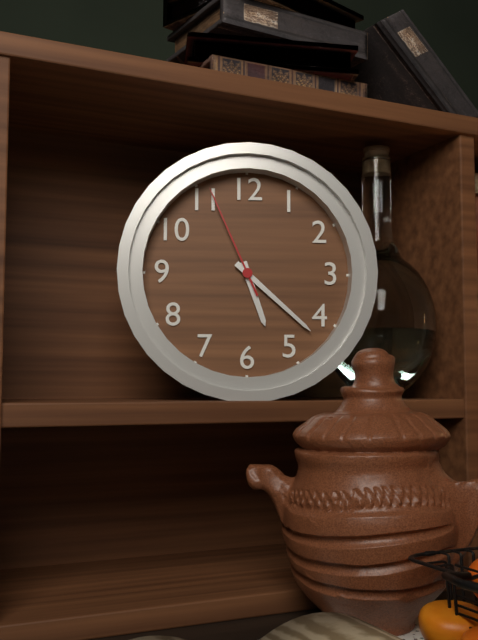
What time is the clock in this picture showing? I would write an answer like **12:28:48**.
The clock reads **5:22:56**
